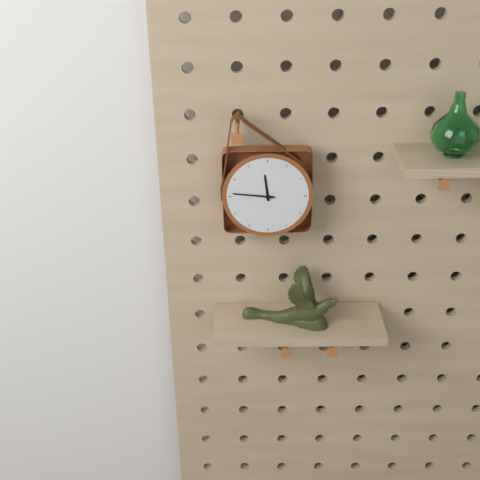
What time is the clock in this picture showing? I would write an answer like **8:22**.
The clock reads **11:46**
